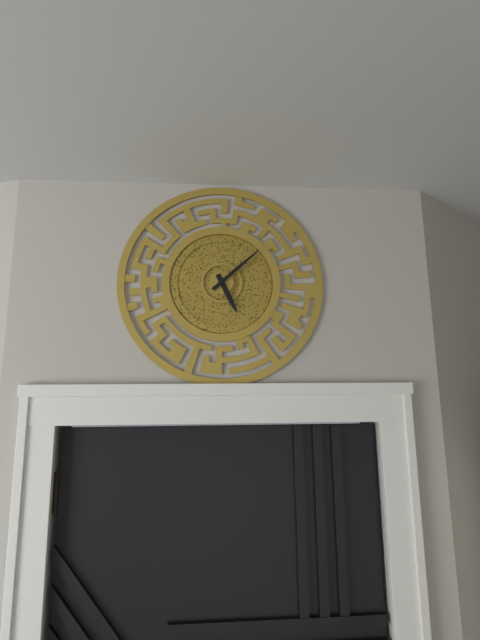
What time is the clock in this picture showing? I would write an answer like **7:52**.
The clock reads **5:08**
